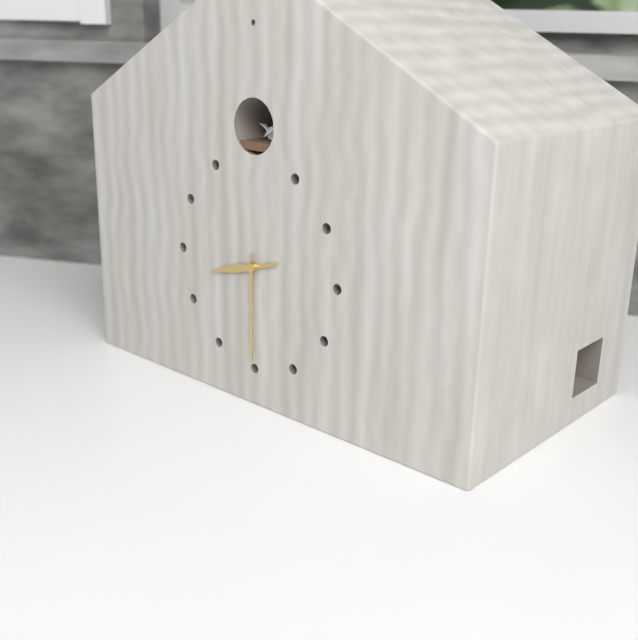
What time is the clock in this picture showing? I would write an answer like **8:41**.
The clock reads **8:30**
